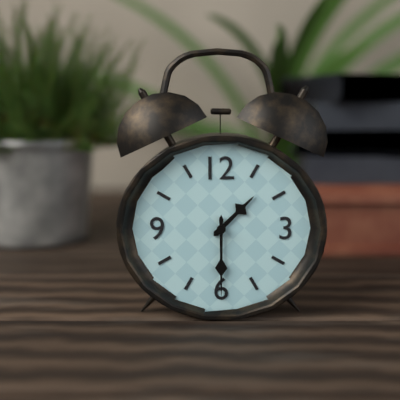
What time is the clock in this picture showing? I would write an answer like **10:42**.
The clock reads **1:30**
